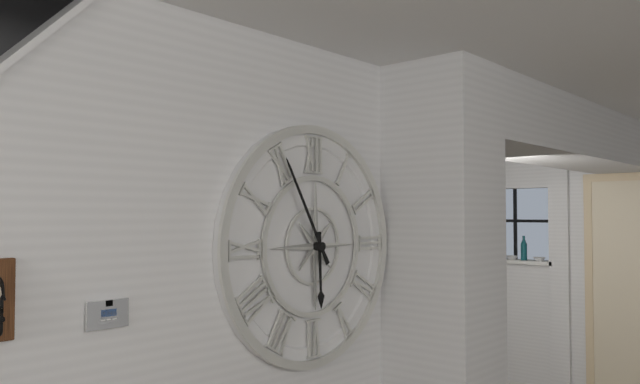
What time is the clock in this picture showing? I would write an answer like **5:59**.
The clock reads **5:55**
